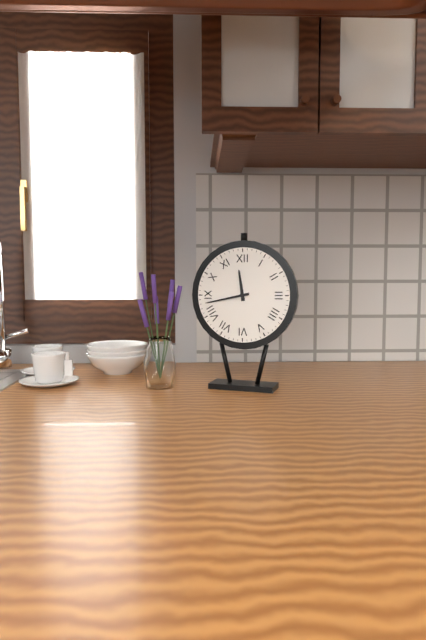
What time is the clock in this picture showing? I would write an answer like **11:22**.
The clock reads **11:43**
